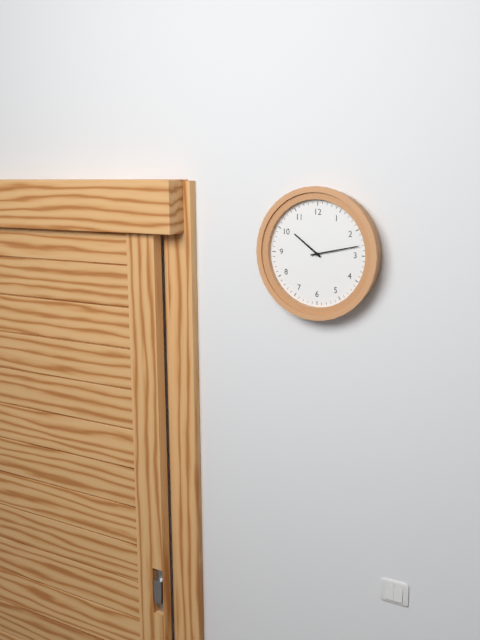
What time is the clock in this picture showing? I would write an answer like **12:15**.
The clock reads **10:13**
